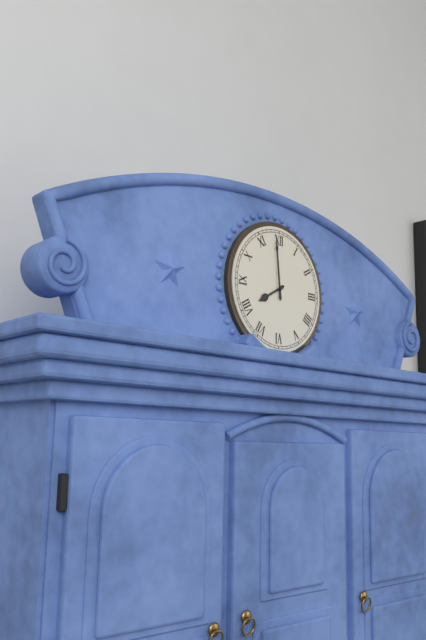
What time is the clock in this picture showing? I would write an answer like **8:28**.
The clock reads **7:59**
